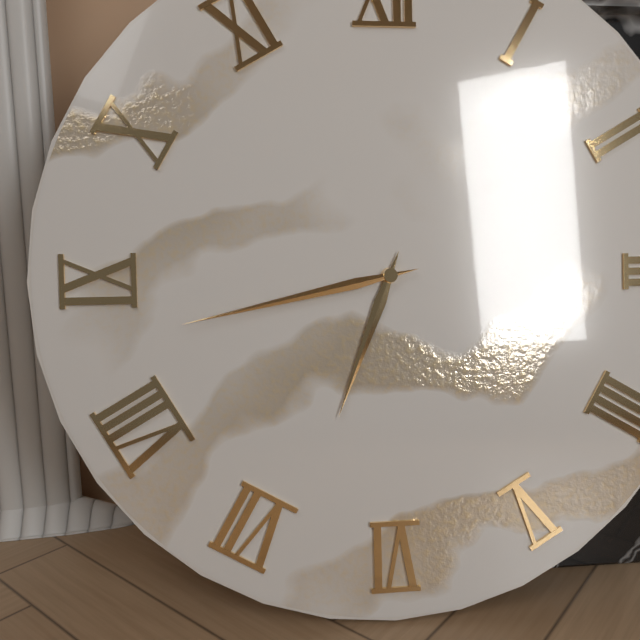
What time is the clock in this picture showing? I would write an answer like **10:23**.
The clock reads **6:43**
